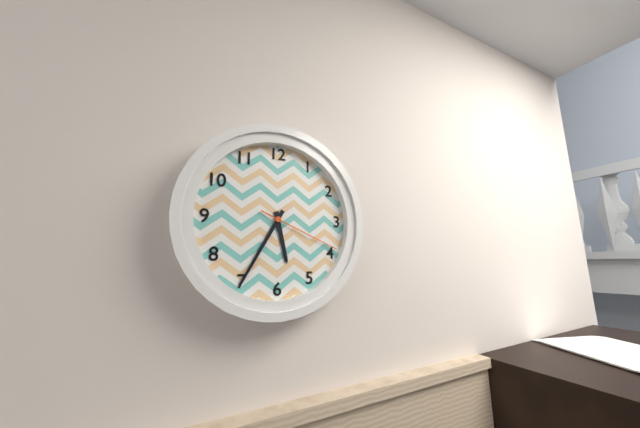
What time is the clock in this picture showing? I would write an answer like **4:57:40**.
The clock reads **5:35:19**
